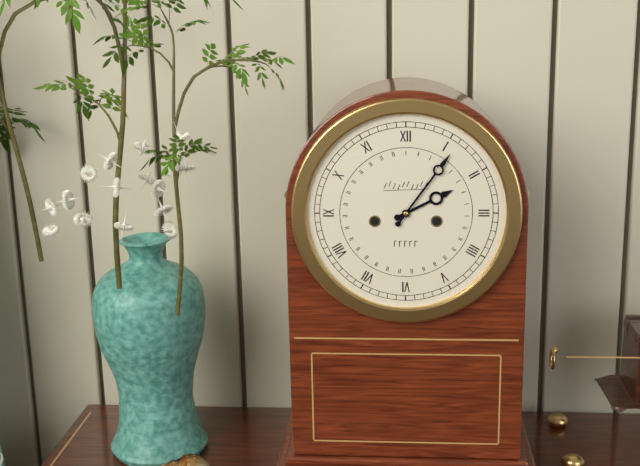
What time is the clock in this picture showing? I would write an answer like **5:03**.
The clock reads **2:06**
